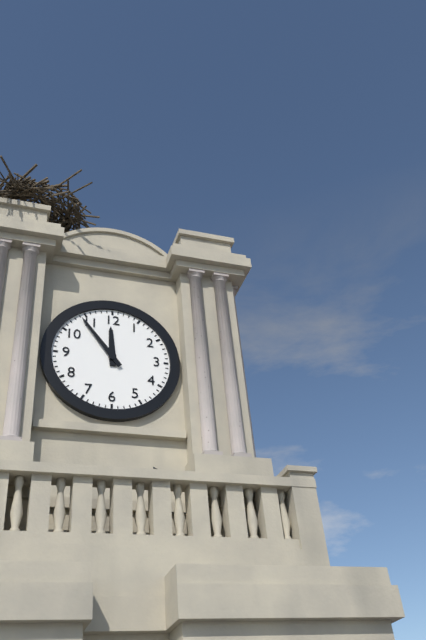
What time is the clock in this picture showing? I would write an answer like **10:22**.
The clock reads **11:54**
